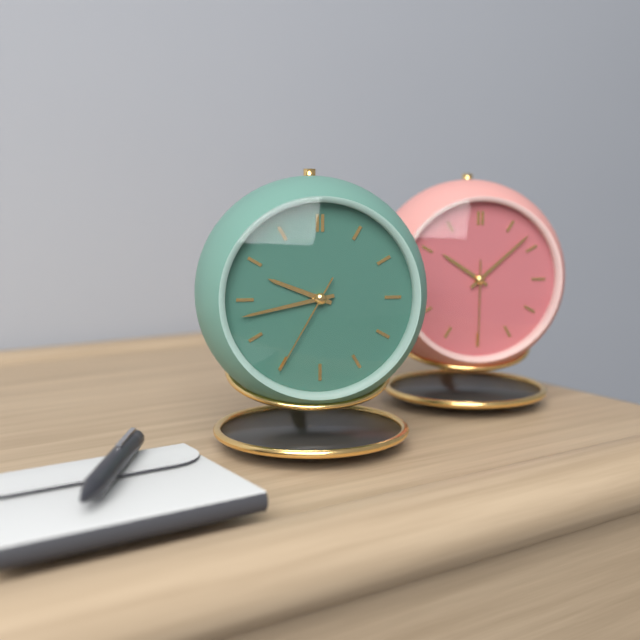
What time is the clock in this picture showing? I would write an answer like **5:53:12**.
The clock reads **9:43:35**
